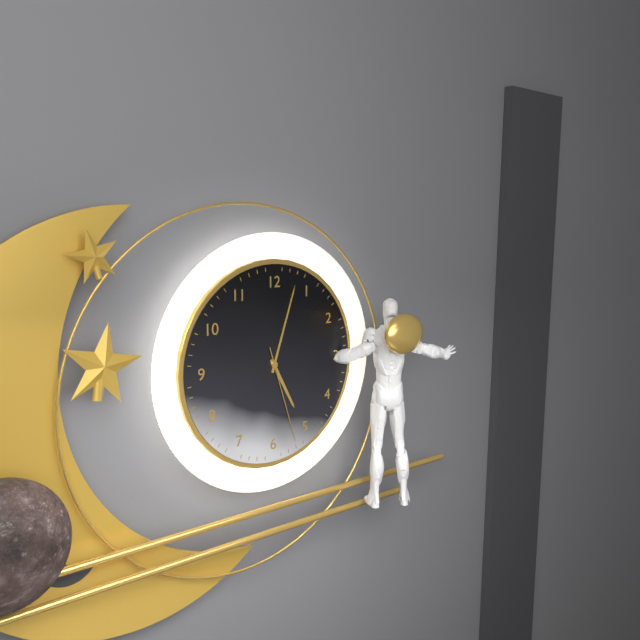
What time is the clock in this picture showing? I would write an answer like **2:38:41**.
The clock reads **5:03:27**
